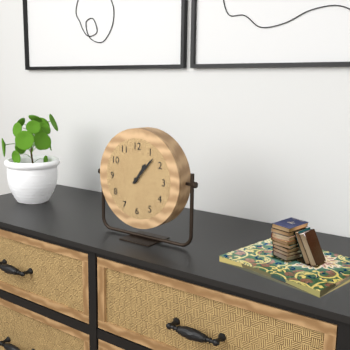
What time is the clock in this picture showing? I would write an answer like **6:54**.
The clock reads **1:07**
